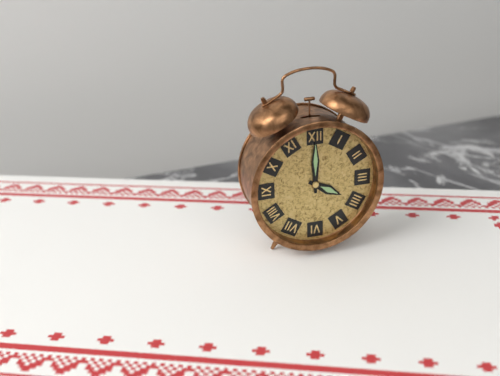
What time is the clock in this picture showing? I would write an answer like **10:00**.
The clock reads **4:00**
